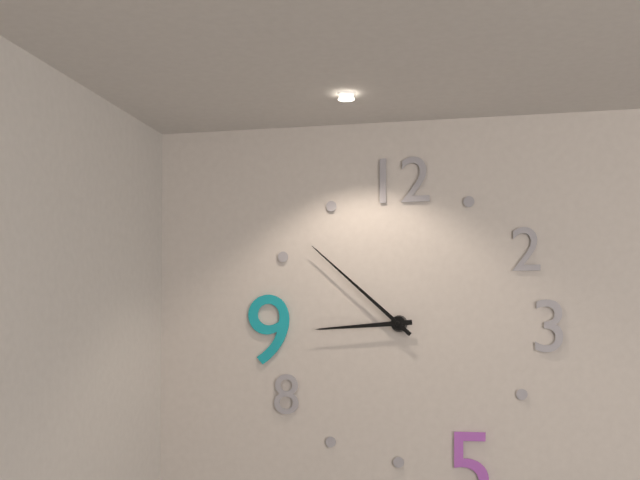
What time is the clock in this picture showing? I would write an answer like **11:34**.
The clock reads **8:52**
